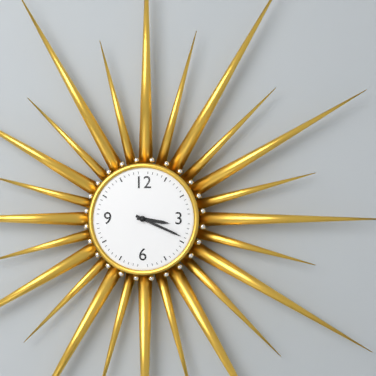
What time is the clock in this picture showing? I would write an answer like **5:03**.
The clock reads **3:19**
